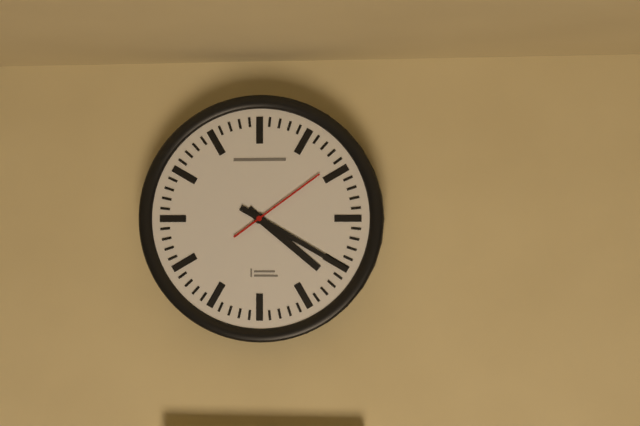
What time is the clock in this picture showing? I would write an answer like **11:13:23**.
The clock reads **4:20:09**
